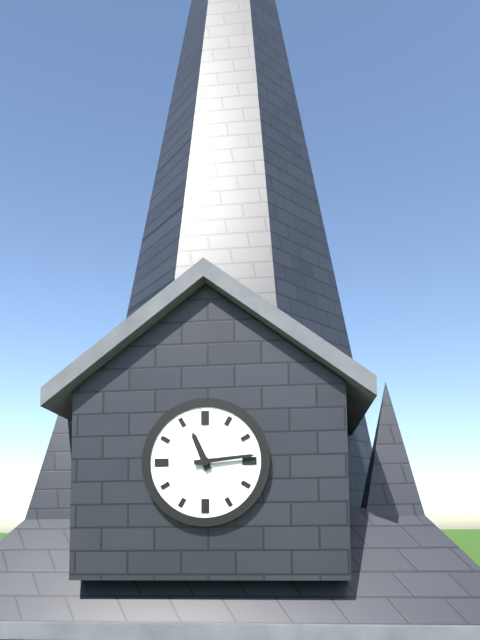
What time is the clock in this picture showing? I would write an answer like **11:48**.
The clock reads **11:14**
